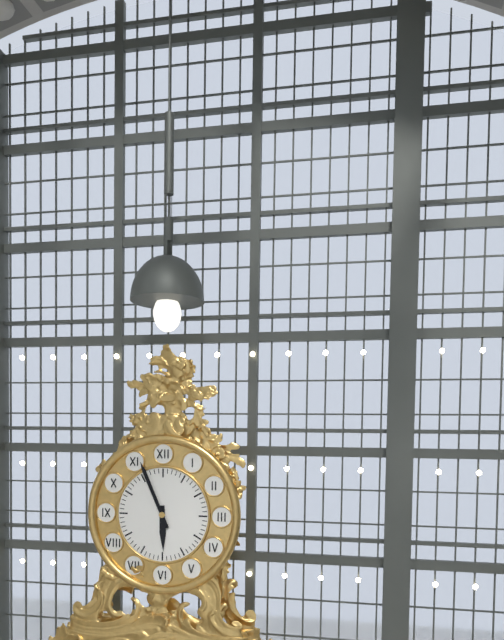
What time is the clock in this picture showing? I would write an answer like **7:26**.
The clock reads **5:56**
